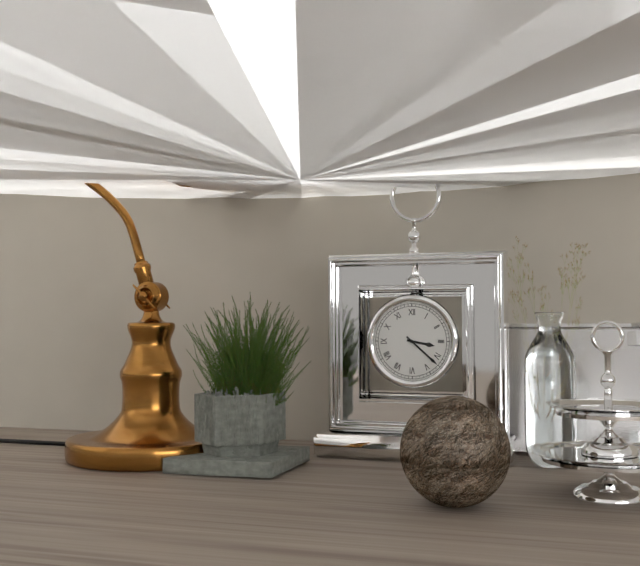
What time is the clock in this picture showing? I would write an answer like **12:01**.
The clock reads **3:22**
